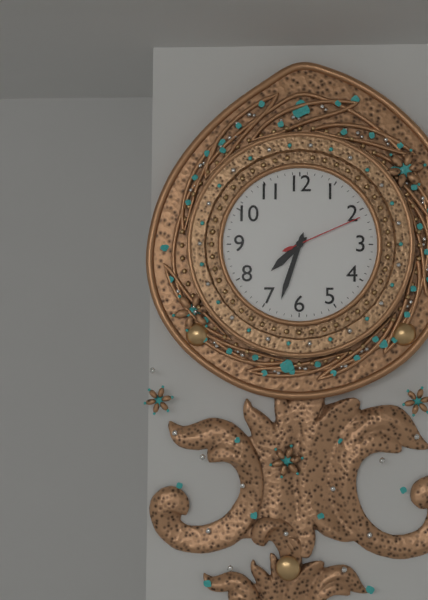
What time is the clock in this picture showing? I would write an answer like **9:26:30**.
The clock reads **7:33:11**
